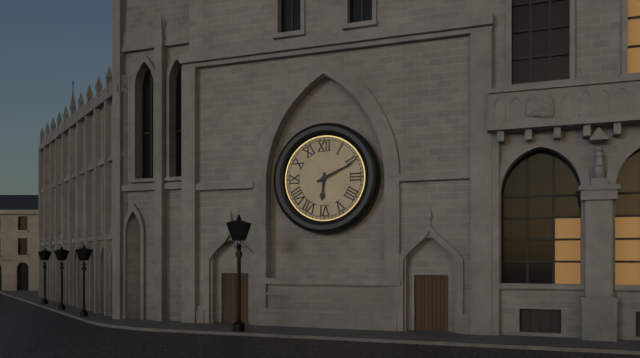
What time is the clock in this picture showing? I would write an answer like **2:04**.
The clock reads **6:11**
